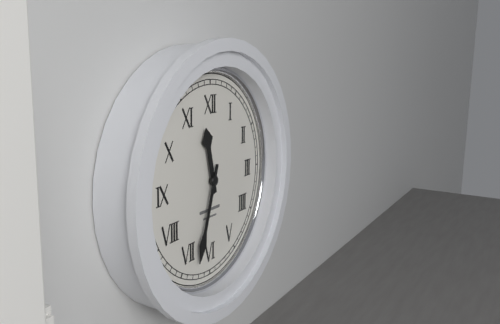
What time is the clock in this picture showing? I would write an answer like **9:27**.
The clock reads **11:33**
